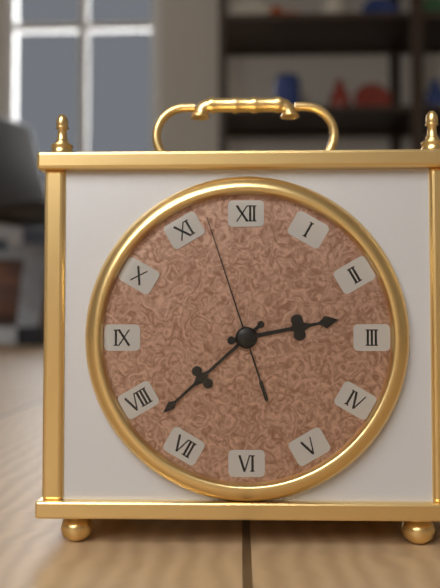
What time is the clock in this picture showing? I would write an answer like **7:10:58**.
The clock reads **2:38:57**
